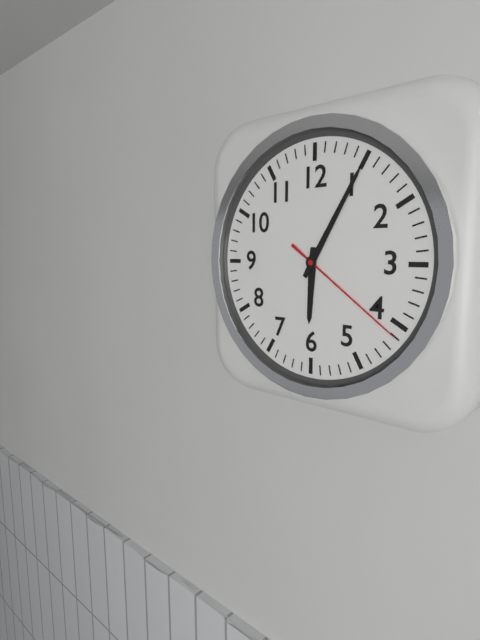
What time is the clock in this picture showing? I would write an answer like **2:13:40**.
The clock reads **6:05:21**
